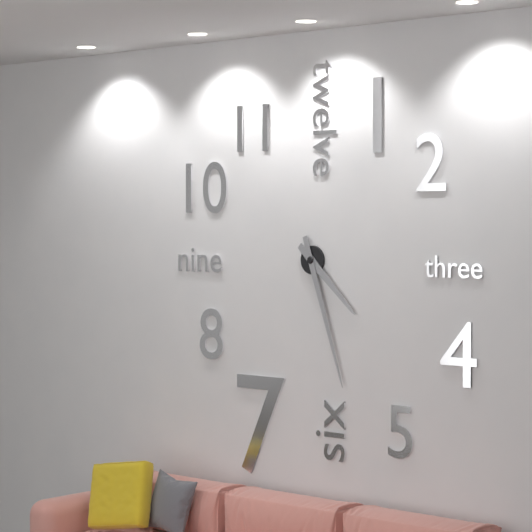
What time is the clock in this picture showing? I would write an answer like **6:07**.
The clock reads **4:27**
